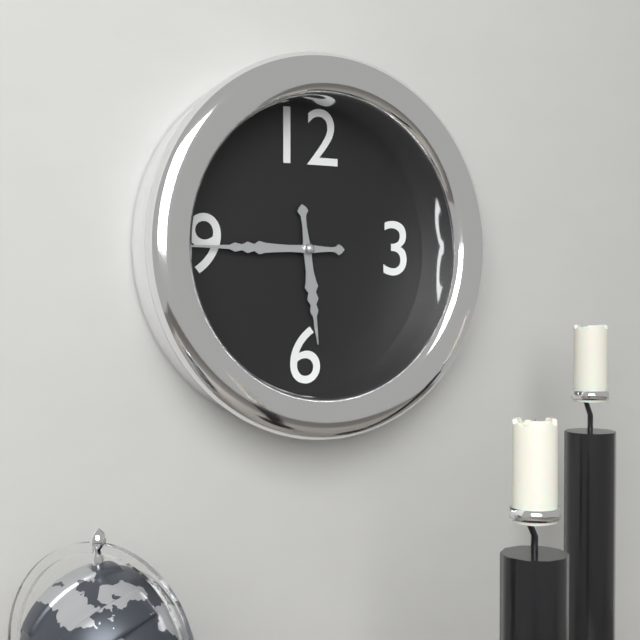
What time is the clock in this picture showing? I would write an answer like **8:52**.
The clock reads **5:45**
